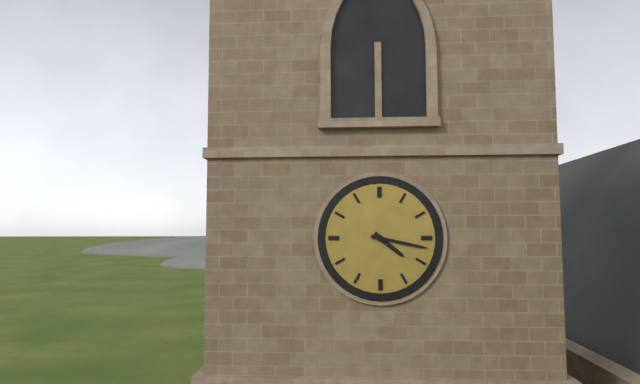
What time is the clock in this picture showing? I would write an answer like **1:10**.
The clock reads **4:17**
